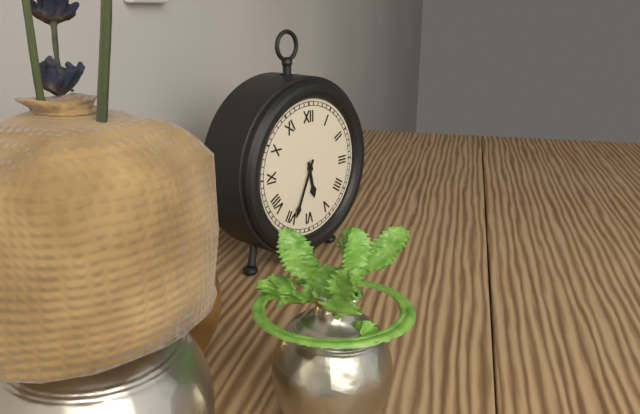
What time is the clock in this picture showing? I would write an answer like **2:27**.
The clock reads **5:34**
